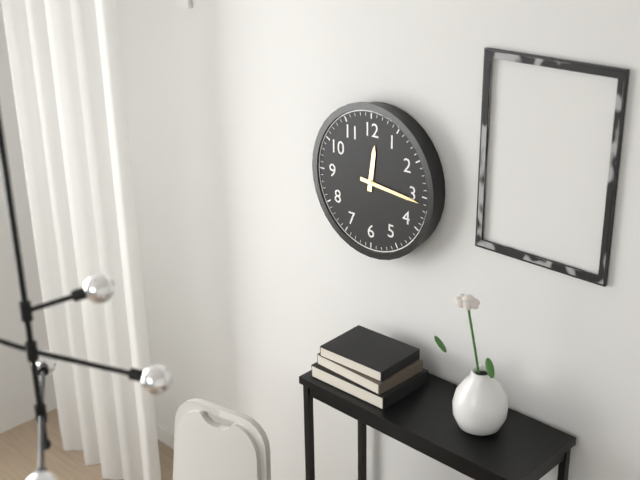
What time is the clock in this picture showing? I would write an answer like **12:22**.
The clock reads **12:16**
